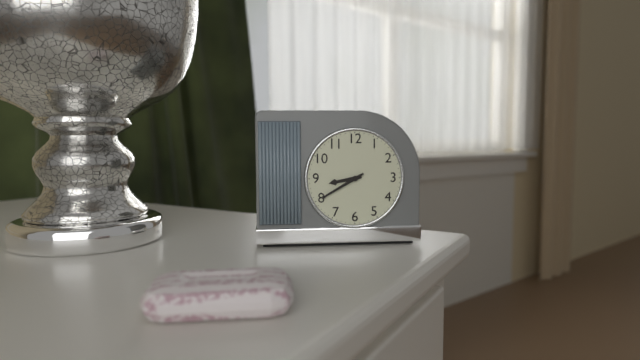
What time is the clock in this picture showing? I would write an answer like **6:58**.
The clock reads **8:40**
